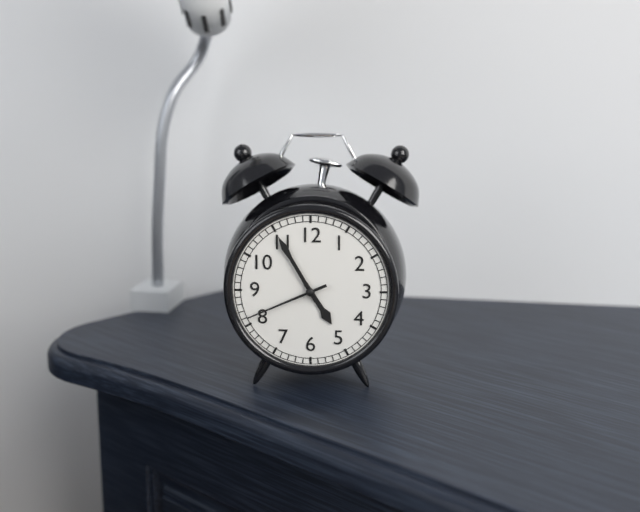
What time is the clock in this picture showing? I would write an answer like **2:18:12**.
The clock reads **4:55:41**
